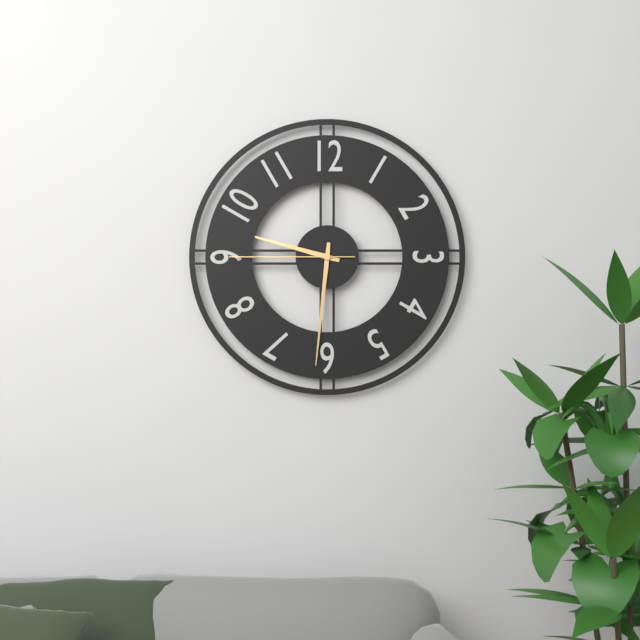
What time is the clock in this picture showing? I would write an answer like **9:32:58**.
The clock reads **9:31:45**
